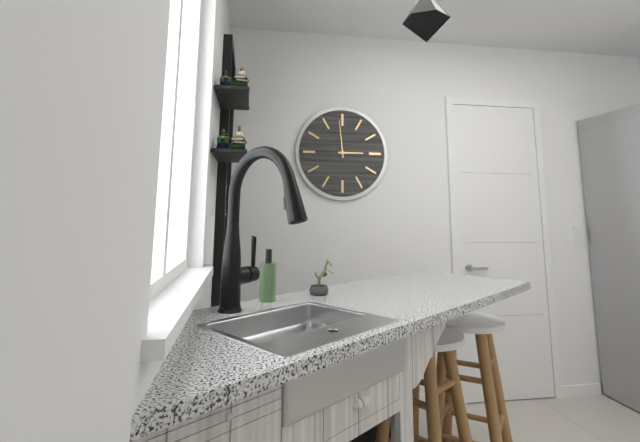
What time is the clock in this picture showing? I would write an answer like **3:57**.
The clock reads **2:59**
